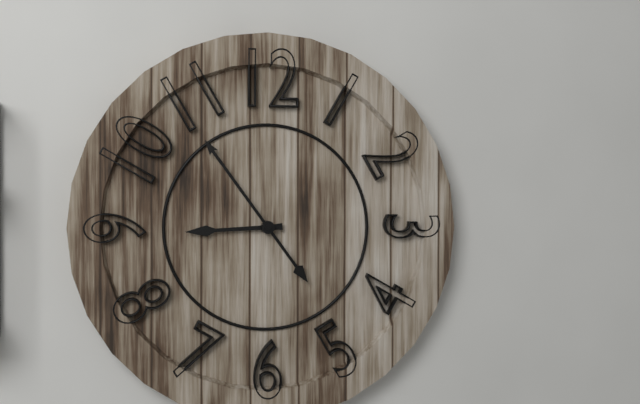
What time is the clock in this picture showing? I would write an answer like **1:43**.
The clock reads **8:54**
